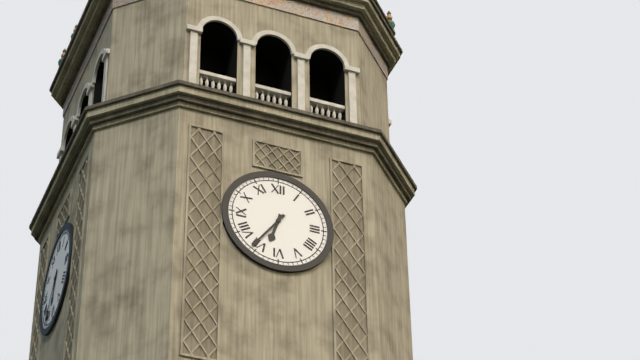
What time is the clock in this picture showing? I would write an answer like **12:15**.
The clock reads **6:36**
